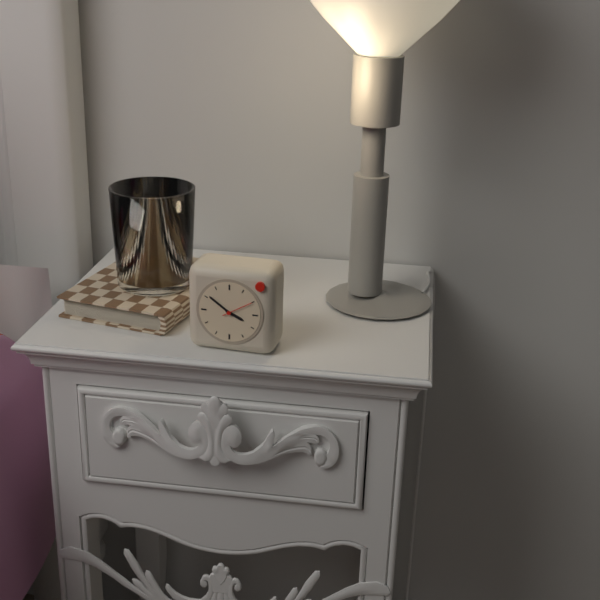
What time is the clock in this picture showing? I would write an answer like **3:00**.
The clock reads **3:51**
